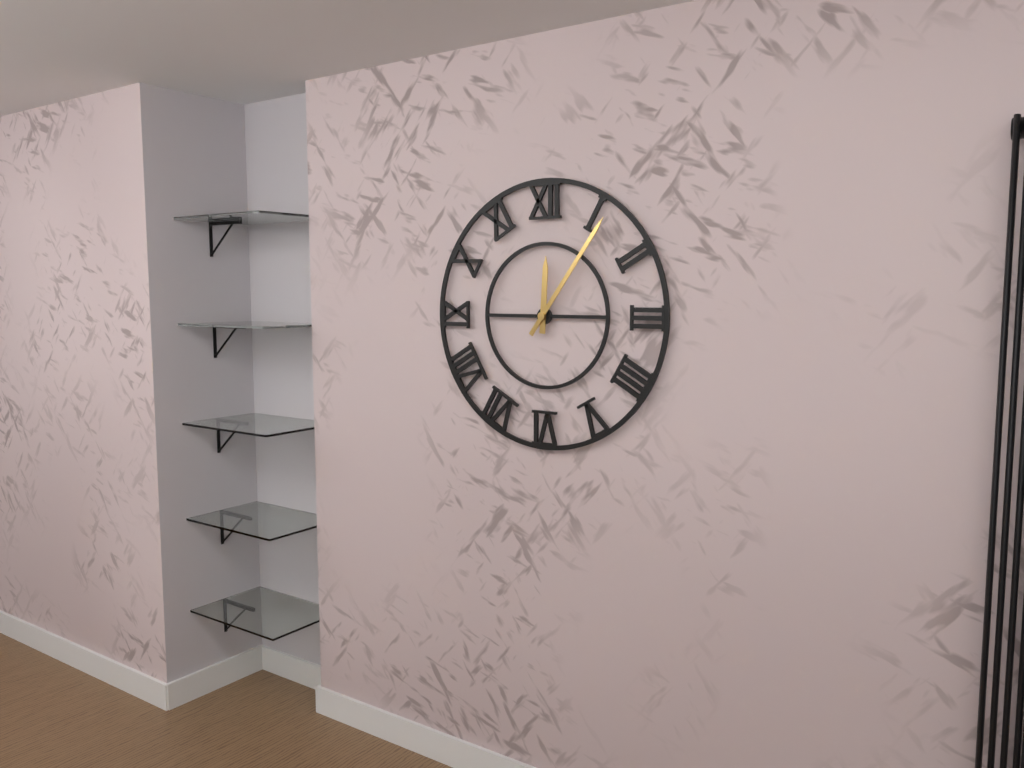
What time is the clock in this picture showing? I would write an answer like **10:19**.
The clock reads **12:06**
